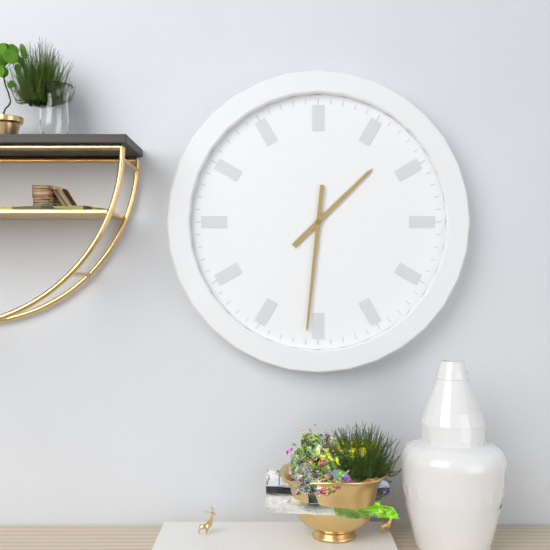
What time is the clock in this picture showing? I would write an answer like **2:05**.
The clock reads **1:31**
